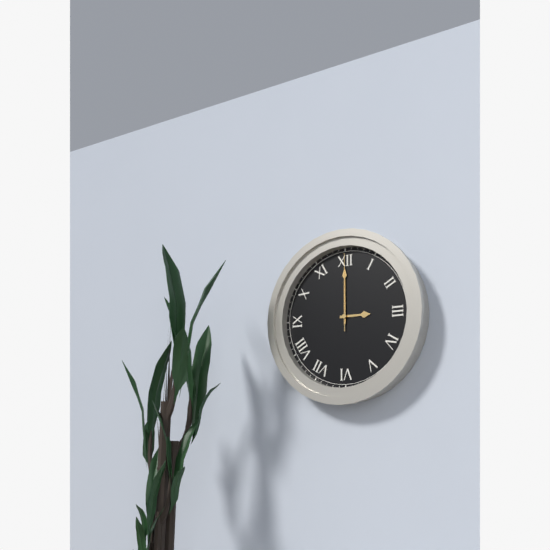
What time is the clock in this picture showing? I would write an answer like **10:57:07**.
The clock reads **3:00:00**
